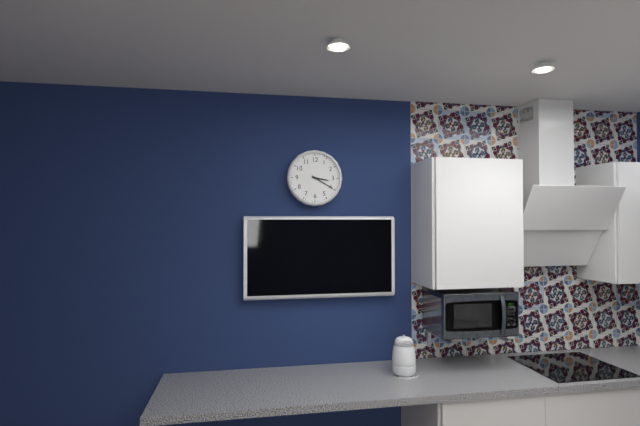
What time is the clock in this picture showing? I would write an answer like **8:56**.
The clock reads **3:20**
